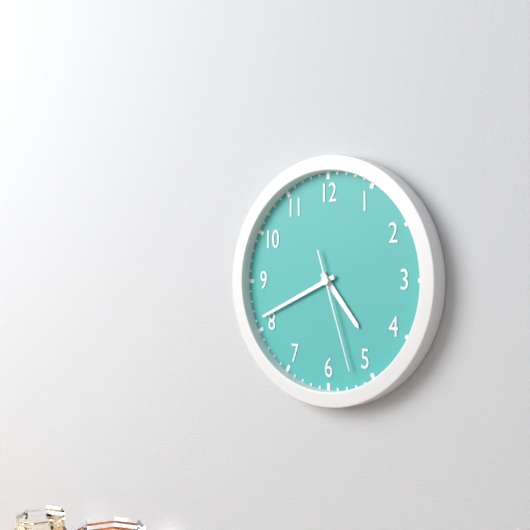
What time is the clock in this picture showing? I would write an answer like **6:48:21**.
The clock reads **4:41:27**
